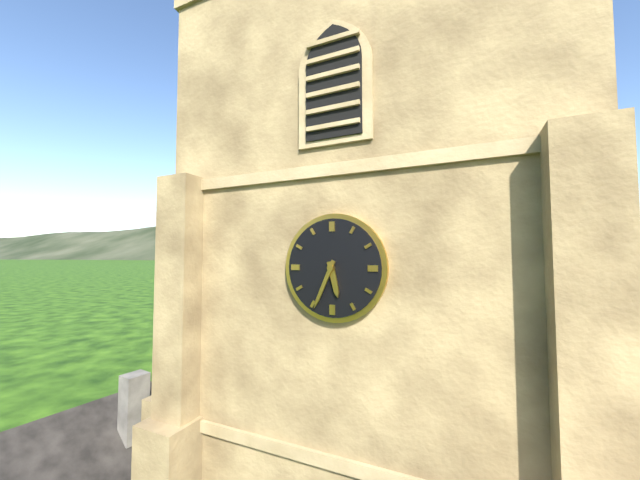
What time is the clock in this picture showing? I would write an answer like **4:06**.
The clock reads **5:34**
